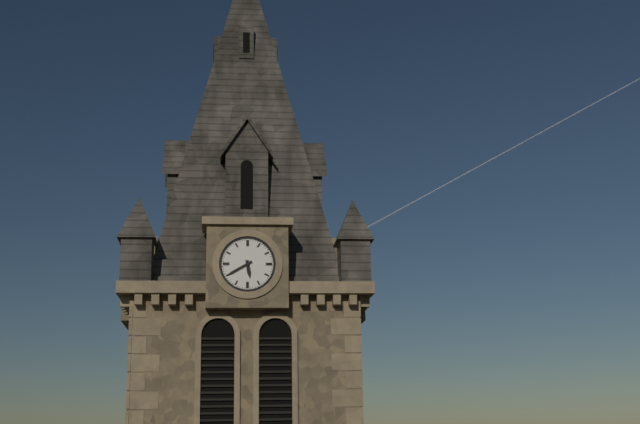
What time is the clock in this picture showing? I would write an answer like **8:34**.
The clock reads **5:40**
